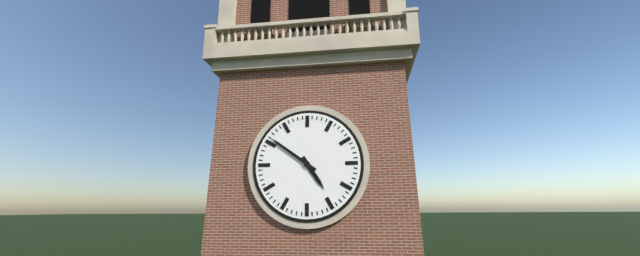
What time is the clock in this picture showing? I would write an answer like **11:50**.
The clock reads **4:51**
